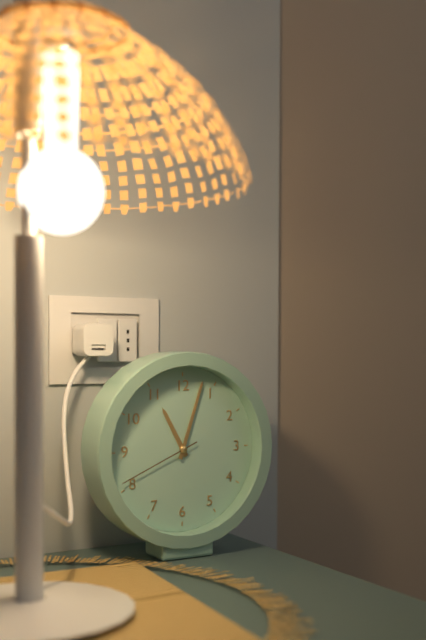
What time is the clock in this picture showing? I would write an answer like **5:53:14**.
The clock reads **11:03:41**
